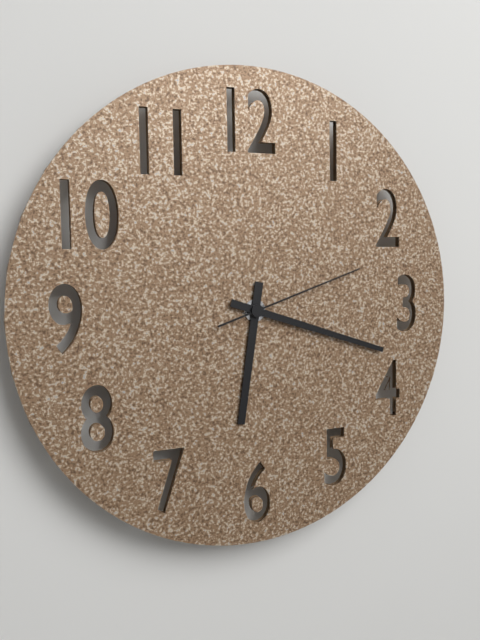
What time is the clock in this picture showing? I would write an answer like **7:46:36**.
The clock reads **6:18:12**
